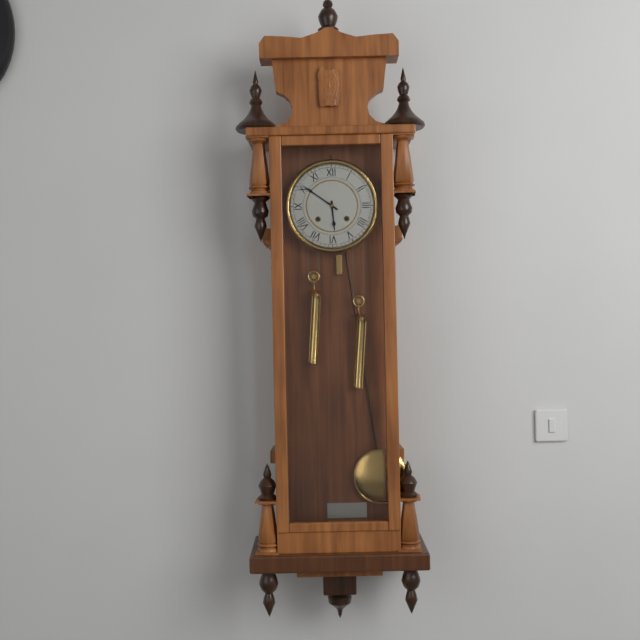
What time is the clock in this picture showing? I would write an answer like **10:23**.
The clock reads **5:51**
